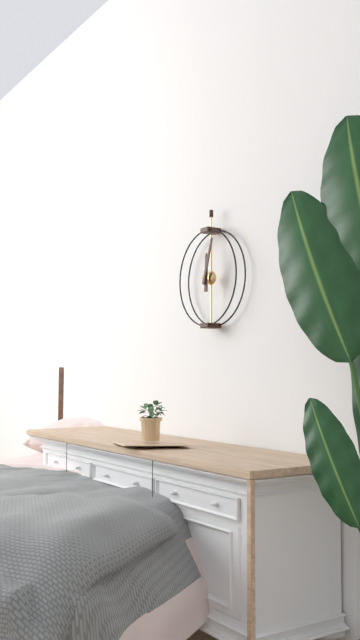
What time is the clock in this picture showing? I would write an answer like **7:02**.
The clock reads **12:03**
